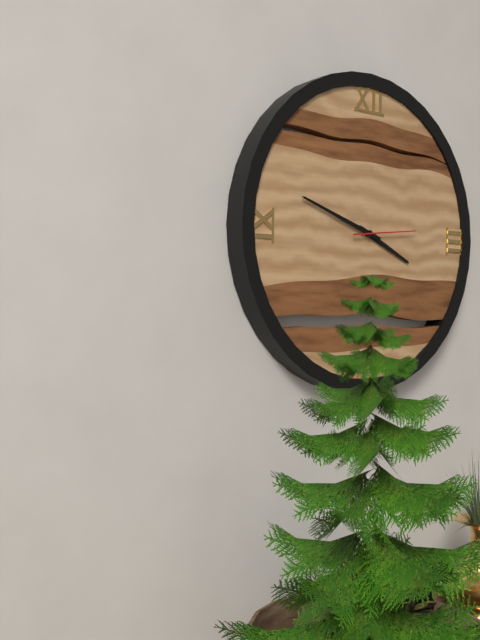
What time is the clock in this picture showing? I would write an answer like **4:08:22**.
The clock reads **3:48:14**
